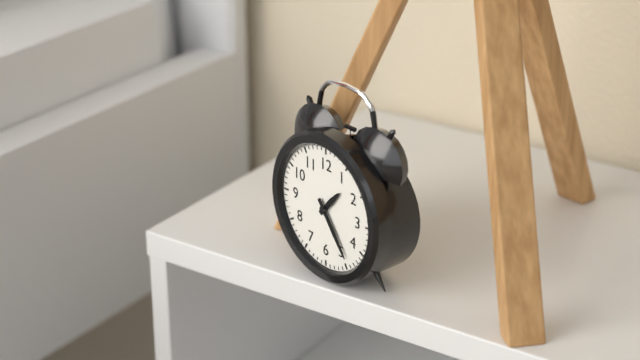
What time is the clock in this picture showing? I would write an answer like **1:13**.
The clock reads **1:24**
